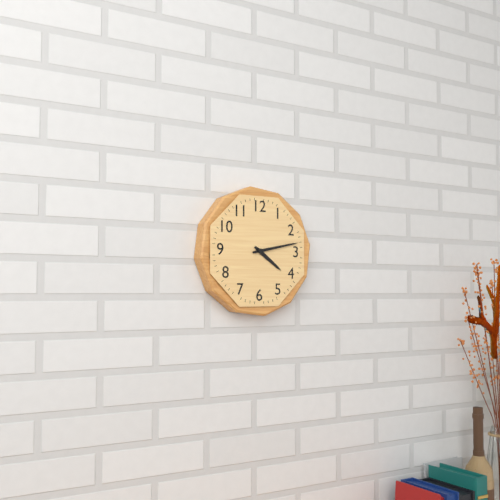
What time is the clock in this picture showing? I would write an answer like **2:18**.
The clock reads **4:13**
